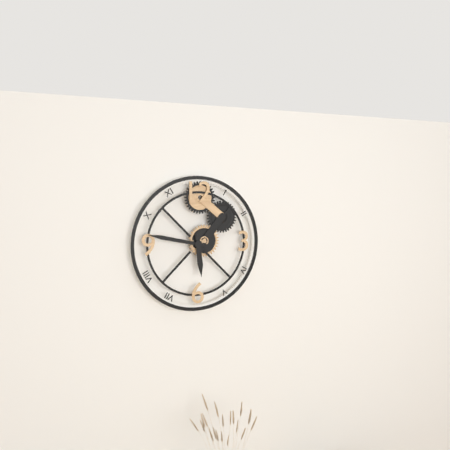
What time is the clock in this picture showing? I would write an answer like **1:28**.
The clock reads **5:47**
